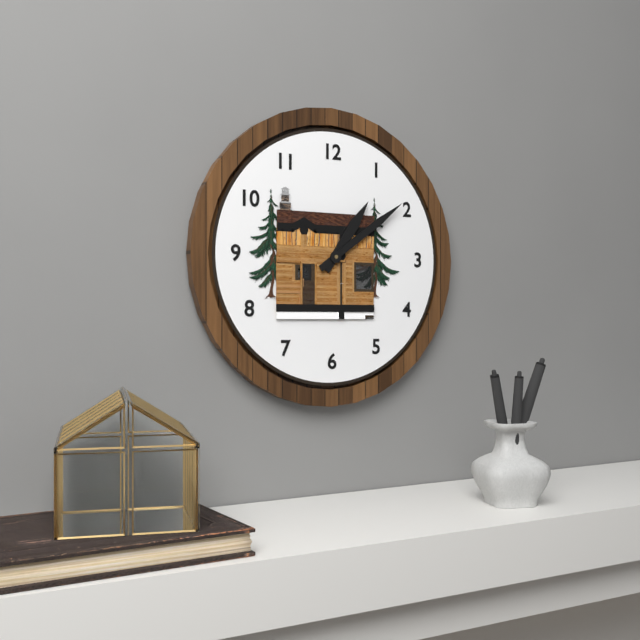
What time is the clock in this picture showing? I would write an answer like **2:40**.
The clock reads **1:09**
